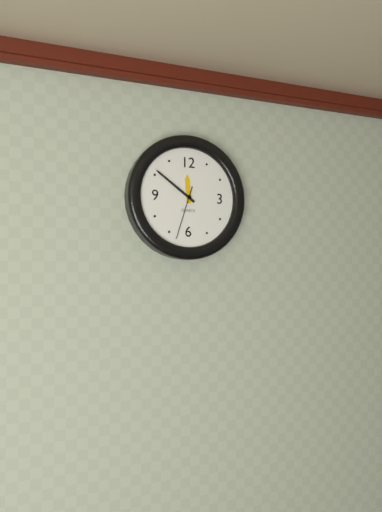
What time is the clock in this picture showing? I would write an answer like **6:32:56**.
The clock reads **11:51:33**
